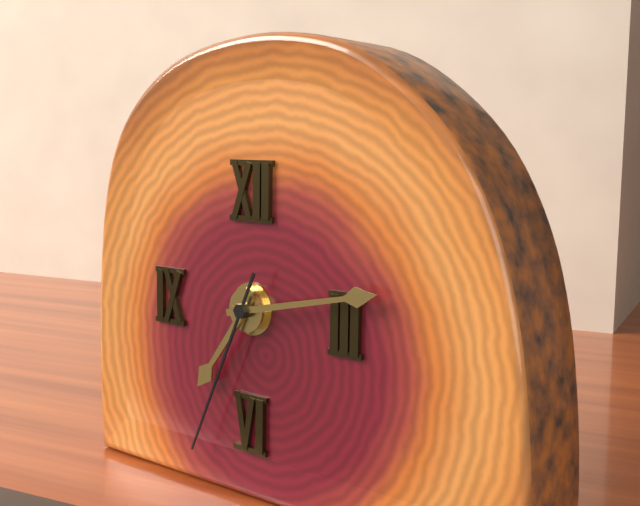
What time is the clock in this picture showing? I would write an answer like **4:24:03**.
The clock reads **7:13:34**
